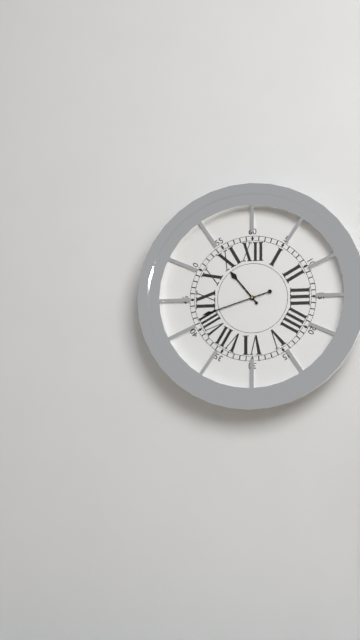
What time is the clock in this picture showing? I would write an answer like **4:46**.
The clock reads **10:42**
